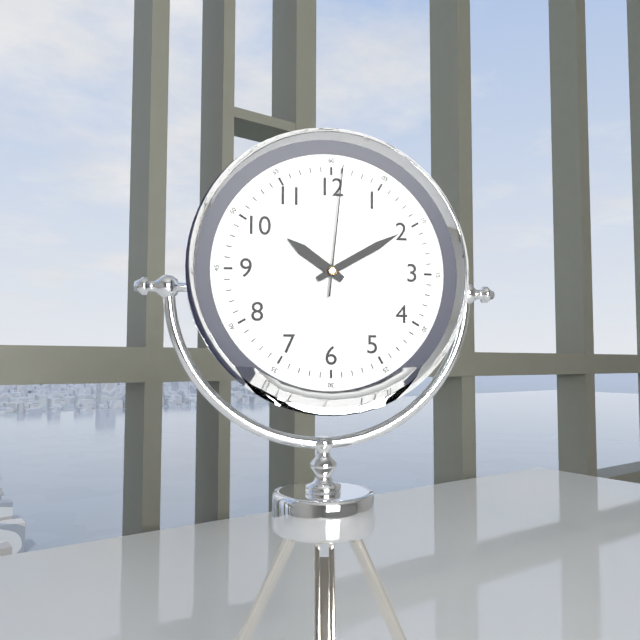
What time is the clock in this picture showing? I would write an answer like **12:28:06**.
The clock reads **10:10:01**
